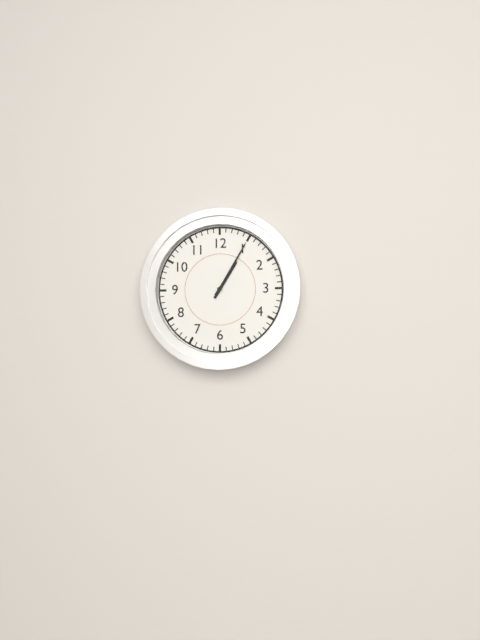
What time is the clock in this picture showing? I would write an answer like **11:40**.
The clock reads **1:05**
